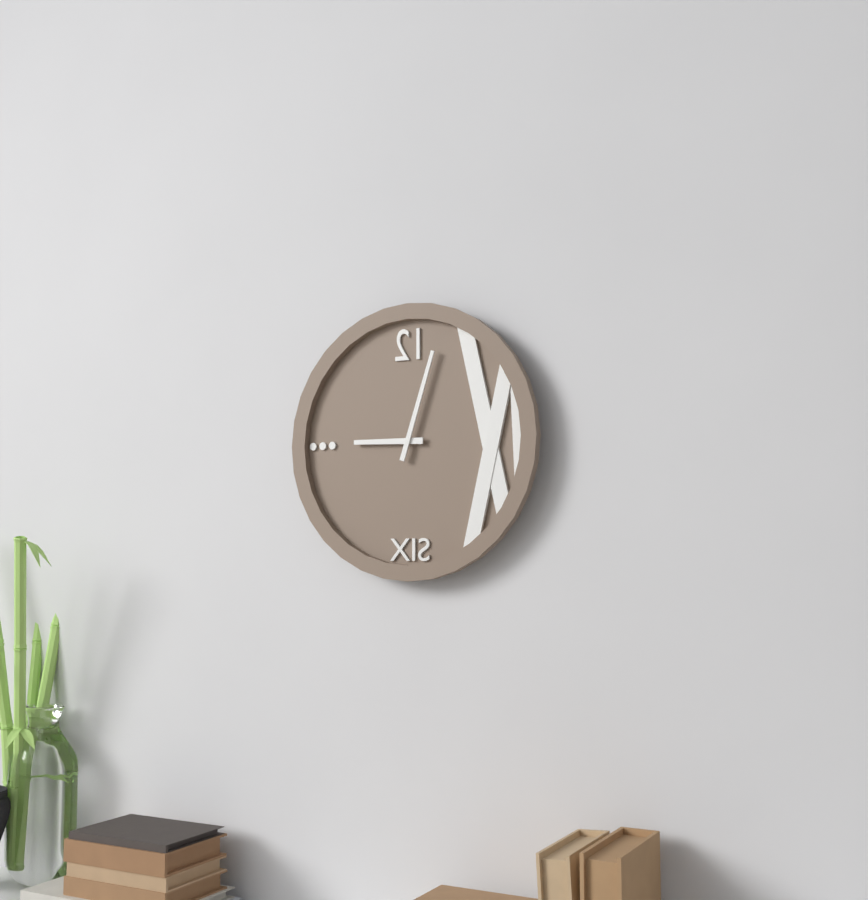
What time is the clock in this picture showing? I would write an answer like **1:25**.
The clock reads **9:03**
